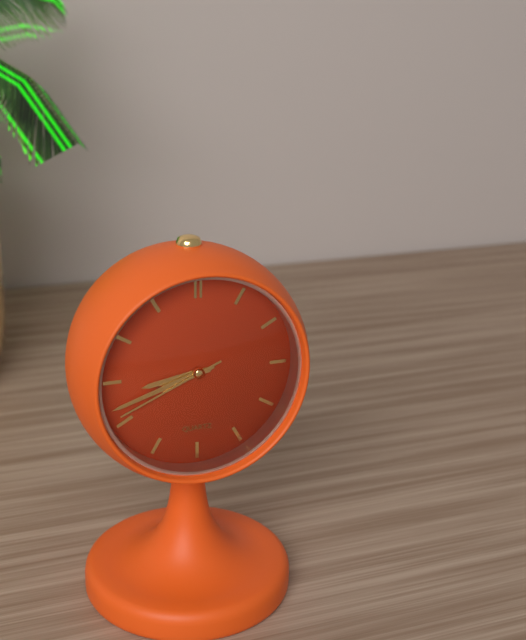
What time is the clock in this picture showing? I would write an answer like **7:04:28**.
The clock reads **8:42:41**
